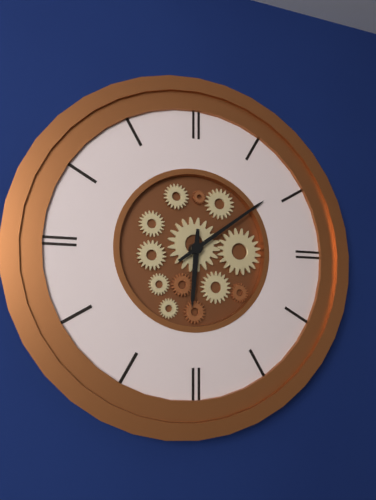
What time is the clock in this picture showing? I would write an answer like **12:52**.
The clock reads **6:09**
